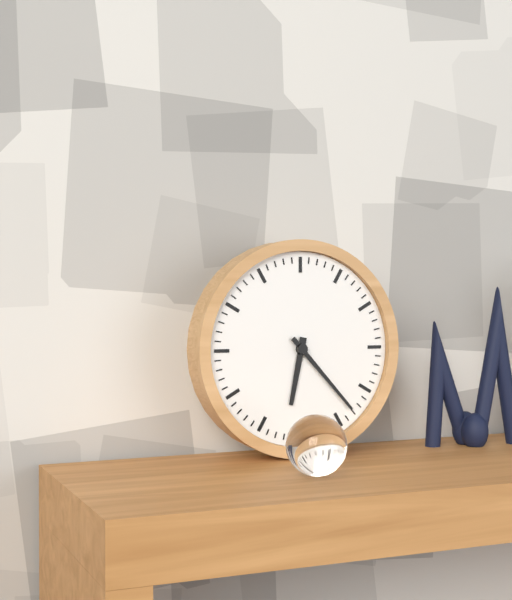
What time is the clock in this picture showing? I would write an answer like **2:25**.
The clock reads **6:23**
